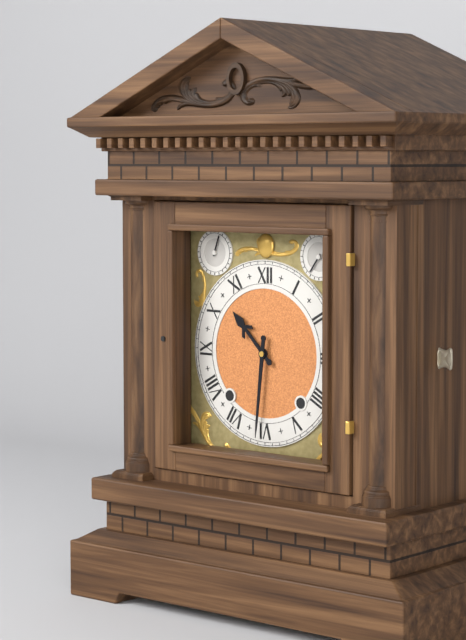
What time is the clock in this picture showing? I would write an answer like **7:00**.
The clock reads **10:31**
